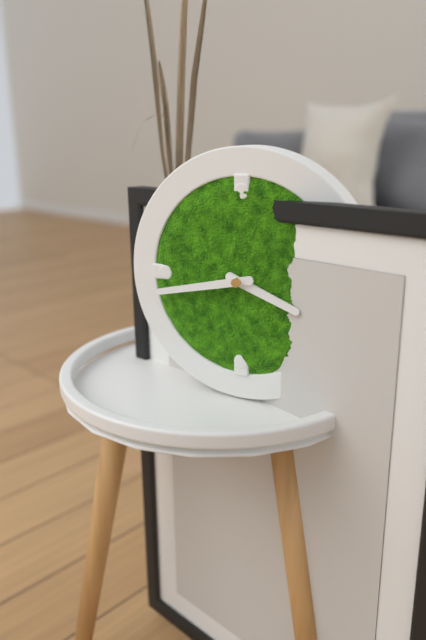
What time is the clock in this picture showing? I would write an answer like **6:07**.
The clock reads **3:43**
